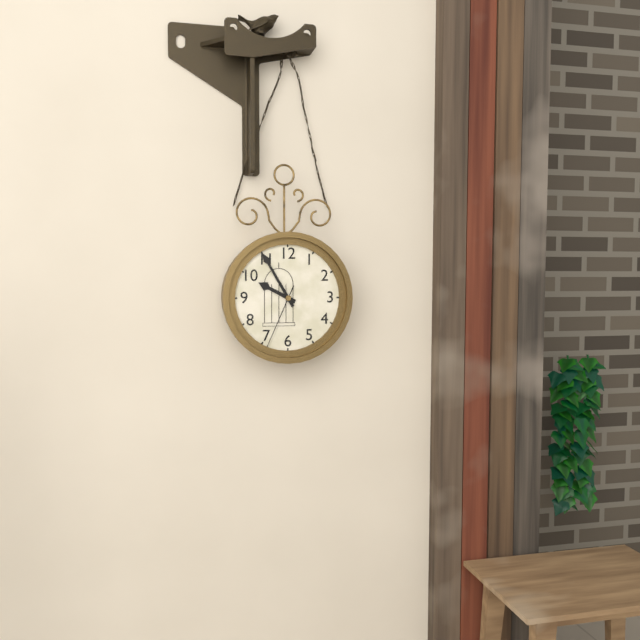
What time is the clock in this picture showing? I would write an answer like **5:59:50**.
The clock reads **9:55:34**
